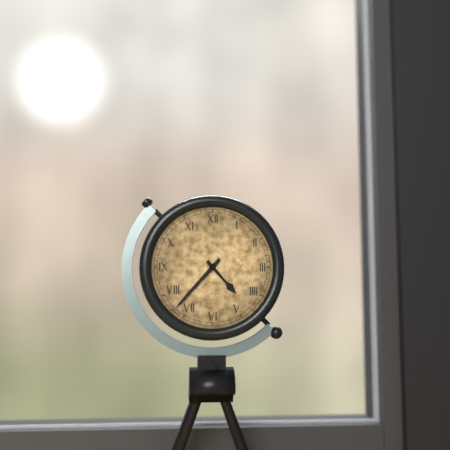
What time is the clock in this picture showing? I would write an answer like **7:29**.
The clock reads **4:37**
